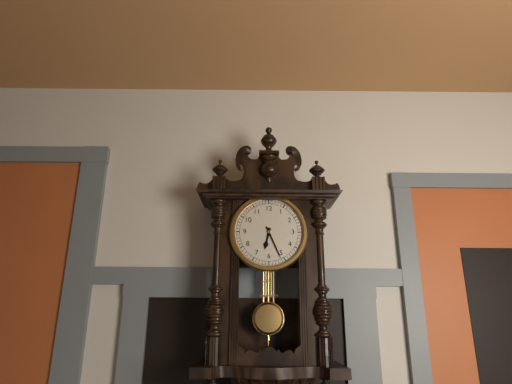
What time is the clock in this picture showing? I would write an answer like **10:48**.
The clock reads **6:26**
